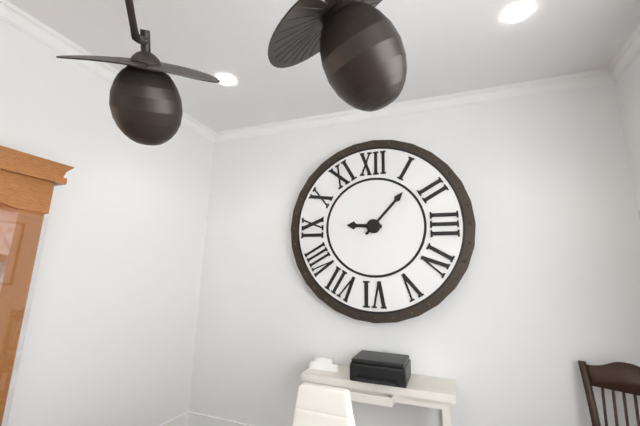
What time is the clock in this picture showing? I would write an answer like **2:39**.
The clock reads **9:07**
